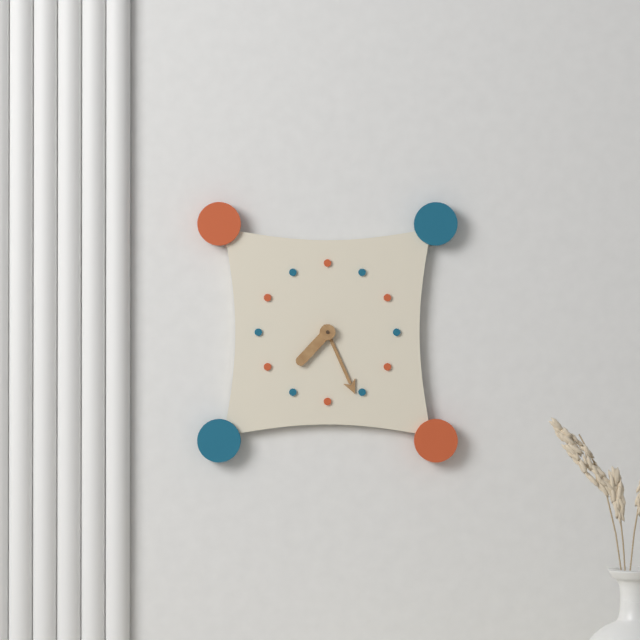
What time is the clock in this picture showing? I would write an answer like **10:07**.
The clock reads **7:26**
